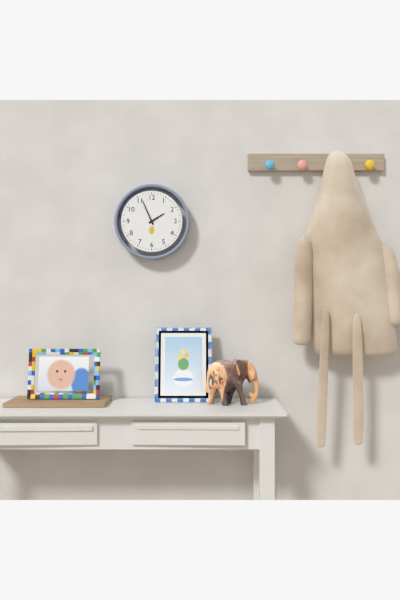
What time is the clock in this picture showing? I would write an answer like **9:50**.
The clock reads **1:56**
